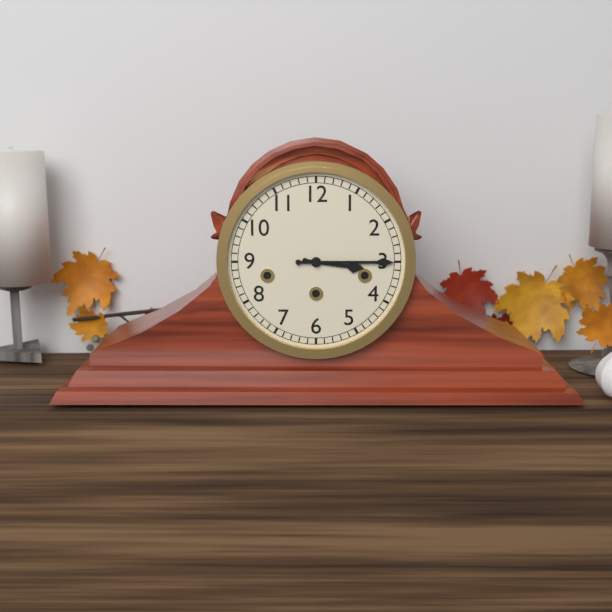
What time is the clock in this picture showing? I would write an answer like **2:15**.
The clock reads **3:15**
